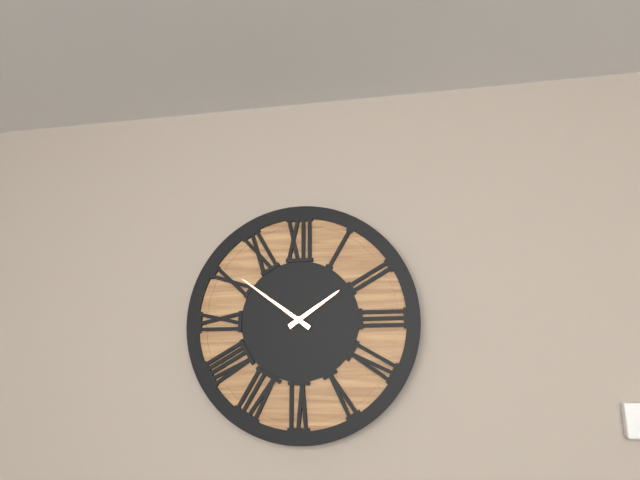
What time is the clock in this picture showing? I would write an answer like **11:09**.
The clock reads **1:51**
